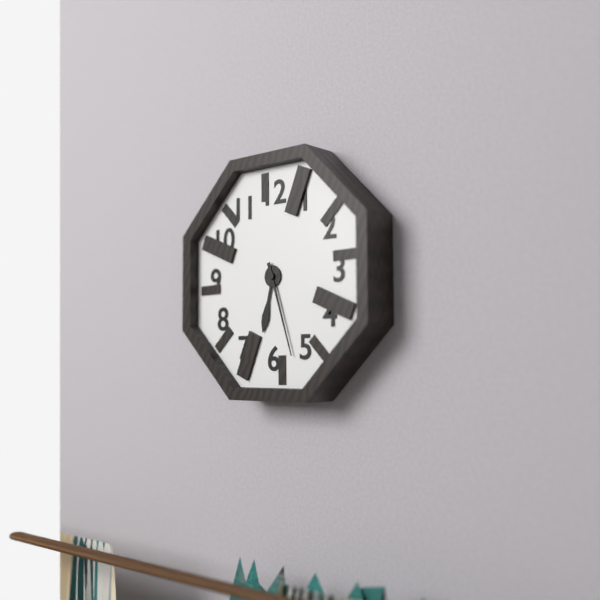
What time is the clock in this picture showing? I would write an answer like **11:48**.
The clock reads **6:27**
